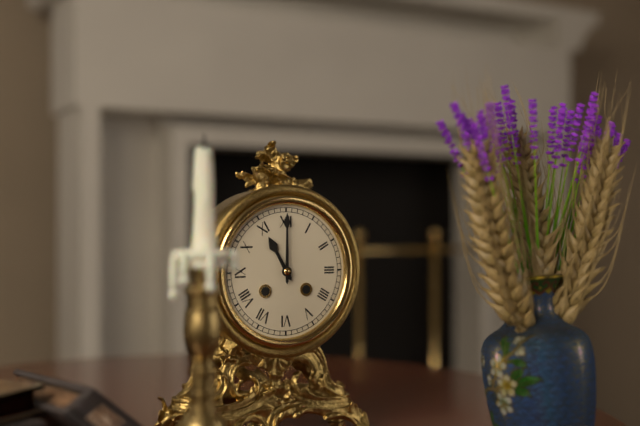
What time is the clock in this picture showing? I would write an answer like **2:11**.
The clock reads **11:00**
